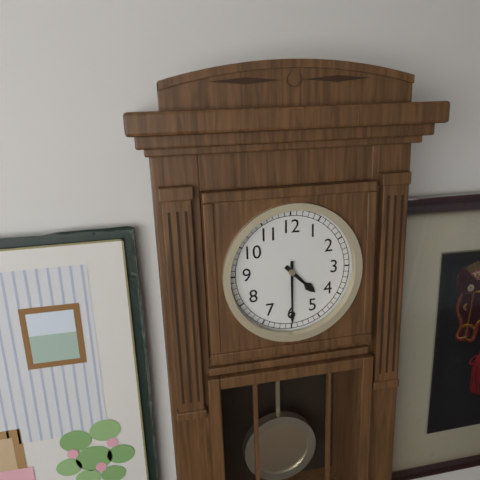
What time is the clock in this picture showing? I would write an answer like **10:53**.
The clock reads **4:30**
